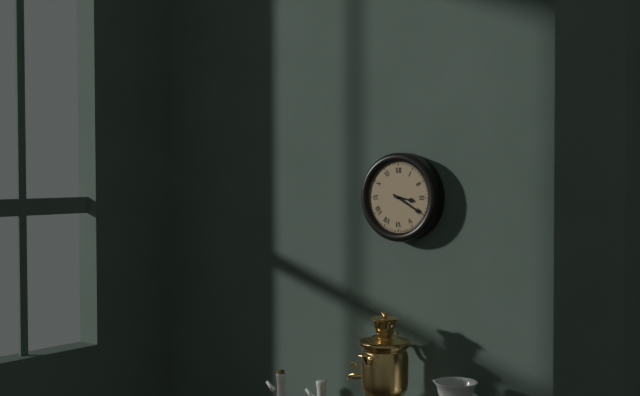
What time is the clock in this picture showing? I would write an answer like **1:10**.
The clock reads **3:20**
